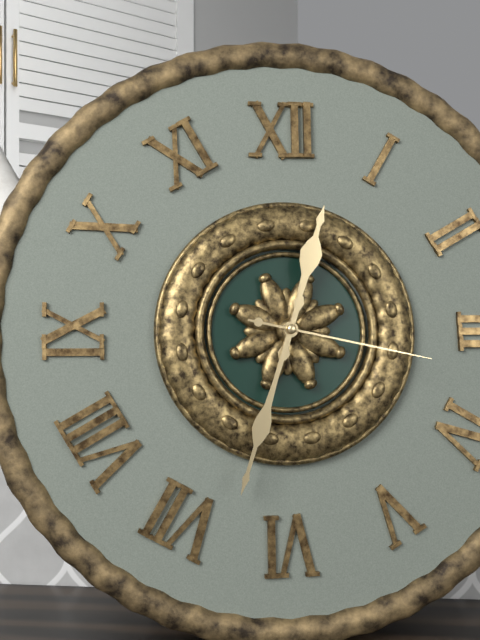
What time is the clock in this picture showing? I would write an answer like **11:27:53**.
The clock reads **12:33:17**
